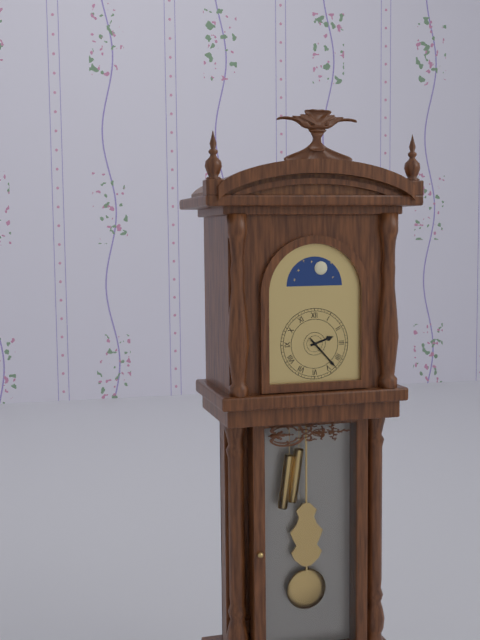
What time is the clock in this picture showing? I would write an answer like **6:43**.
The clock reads **2:23**
